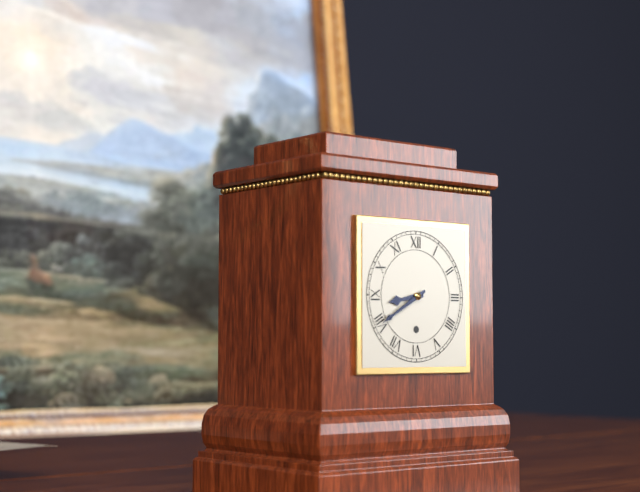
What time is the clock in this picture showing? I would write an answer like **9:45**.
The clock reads **8:40**
